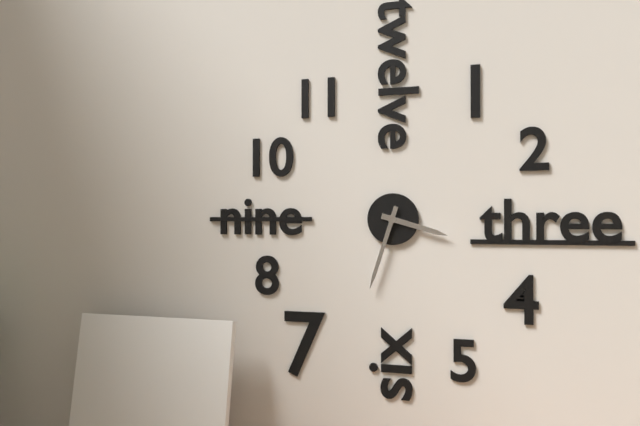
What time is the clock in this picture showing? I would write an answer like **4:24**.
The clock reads **3:33**
